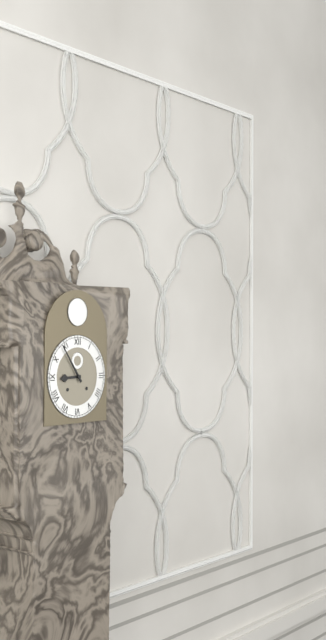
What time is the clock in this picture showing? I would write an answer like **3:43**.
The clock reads **8:54**
